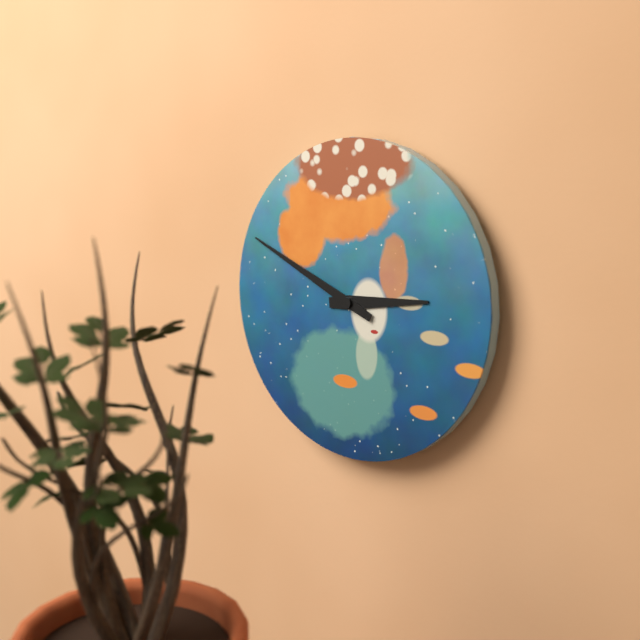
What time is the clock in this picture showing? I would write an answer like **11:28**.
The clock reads **2:49**
